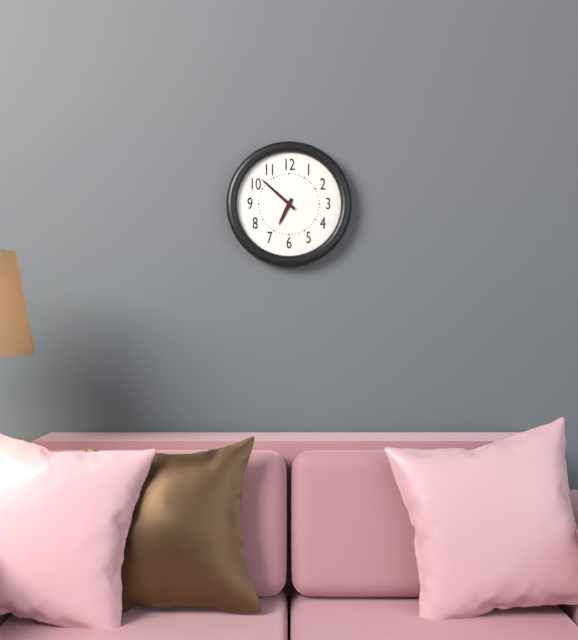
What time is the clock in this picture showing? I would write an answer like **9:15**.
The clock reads **6:52**
